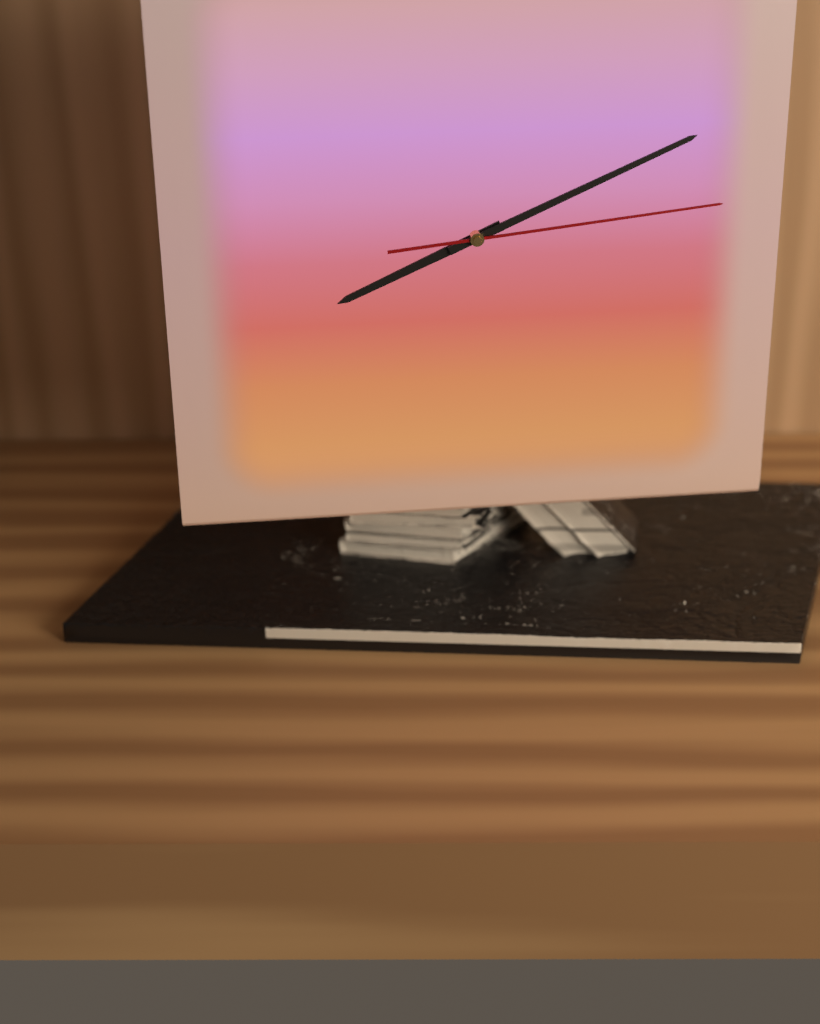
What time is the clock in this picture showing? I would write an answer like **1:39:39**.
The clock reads **8:11:14**
